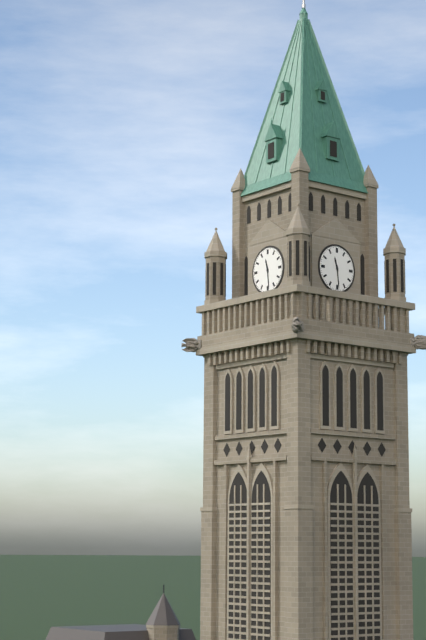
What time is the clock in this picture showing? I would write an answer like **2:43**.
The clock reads **11:29**
